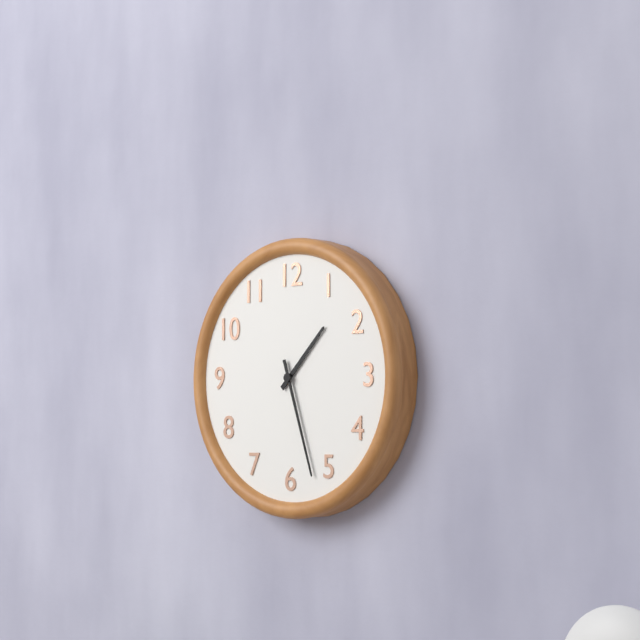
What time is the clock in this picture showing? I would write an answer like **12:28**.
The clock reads **1:27**
